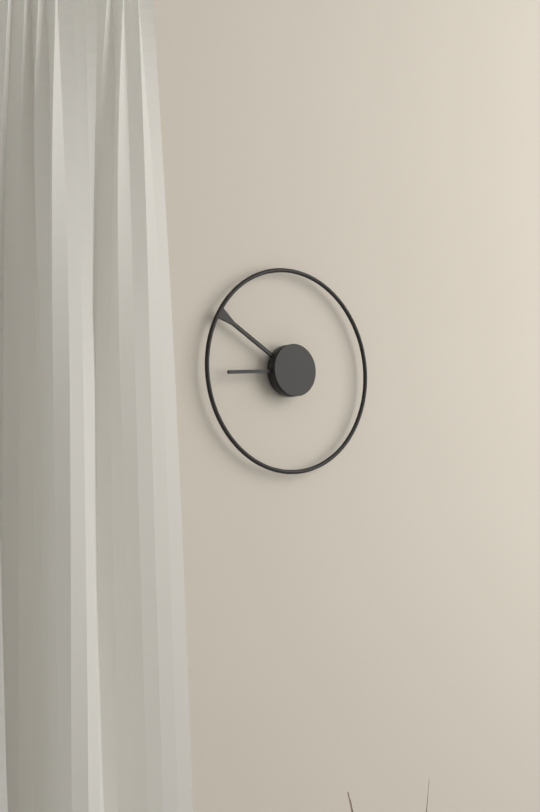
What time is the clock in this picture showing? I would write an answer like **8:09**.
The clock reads **8:50**
